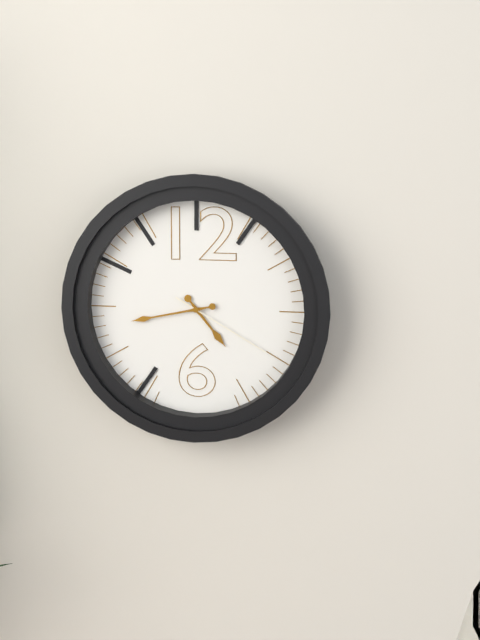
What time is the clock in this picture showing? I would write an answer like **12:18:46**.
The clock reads **4:43:20**
